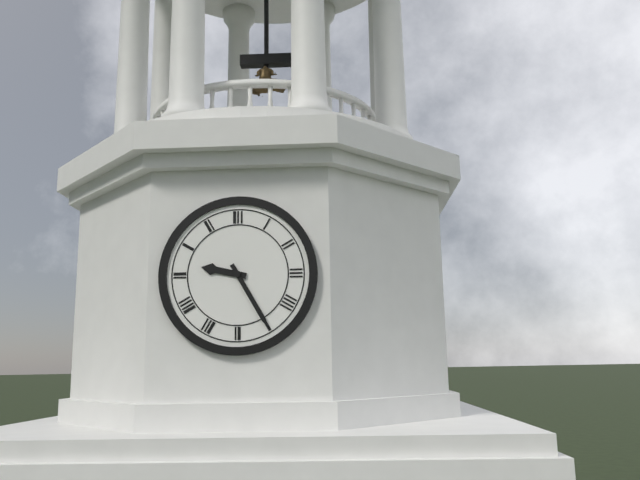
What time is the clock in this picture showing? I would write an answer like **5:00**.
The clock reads **9:25**
